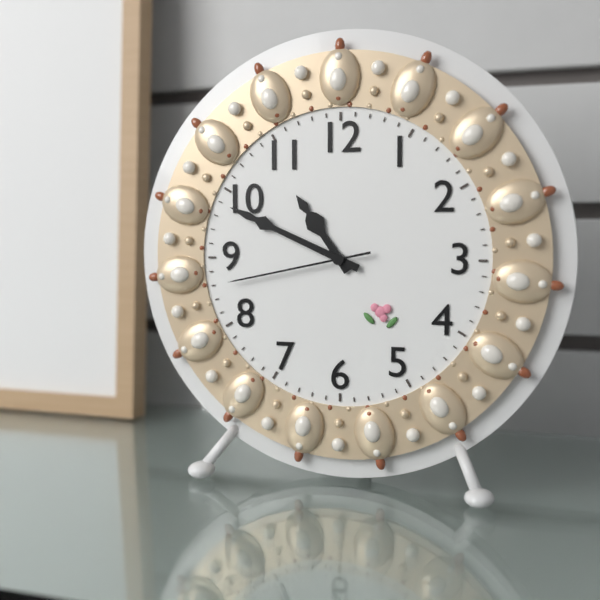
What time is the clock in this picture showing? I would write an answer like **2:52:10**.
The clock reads **10:49:43**
